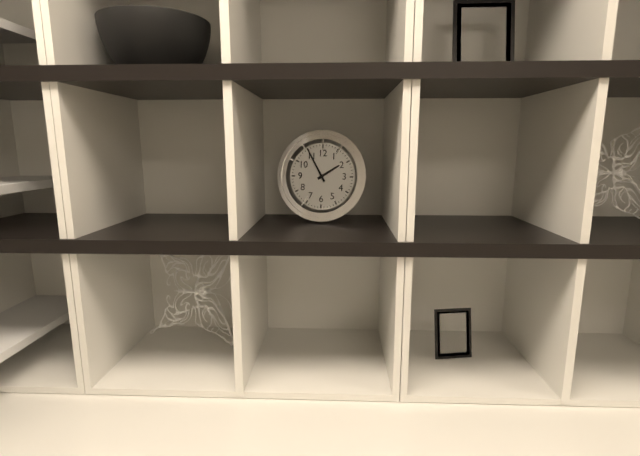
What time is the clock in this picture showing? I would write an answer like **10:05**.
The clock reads **1:55**
